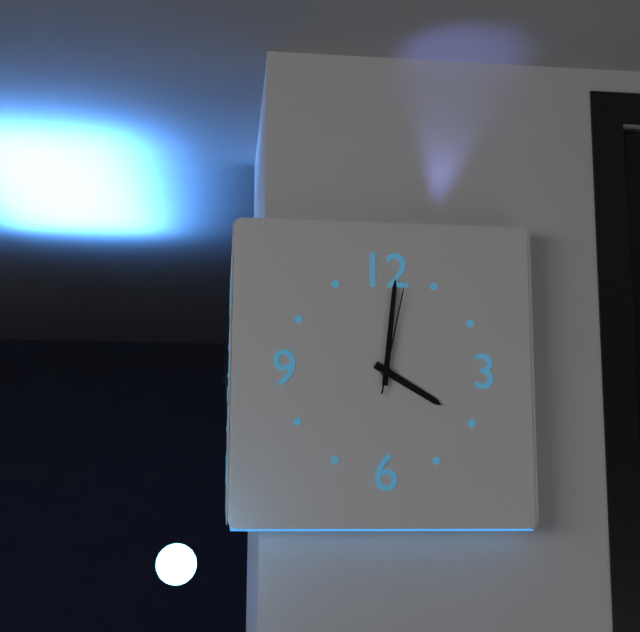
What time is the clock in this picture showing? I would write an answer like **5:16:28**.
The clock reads **4:01:02**
